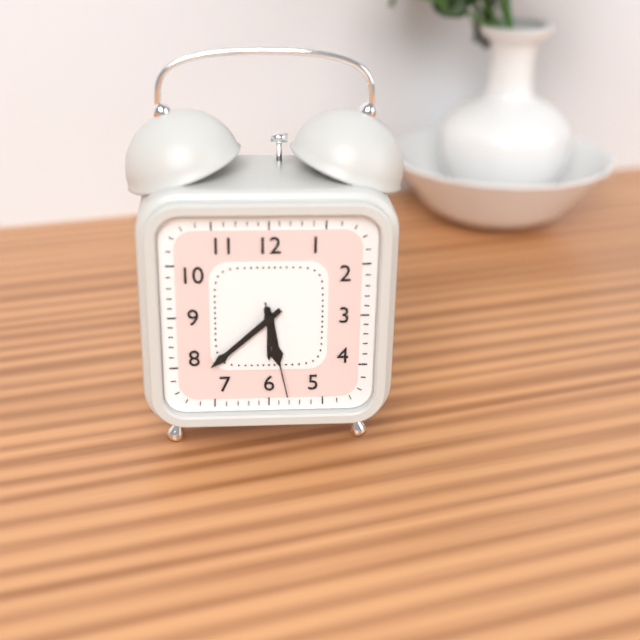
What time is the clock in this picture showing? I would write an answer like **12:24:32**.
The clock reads **5:38:28**
